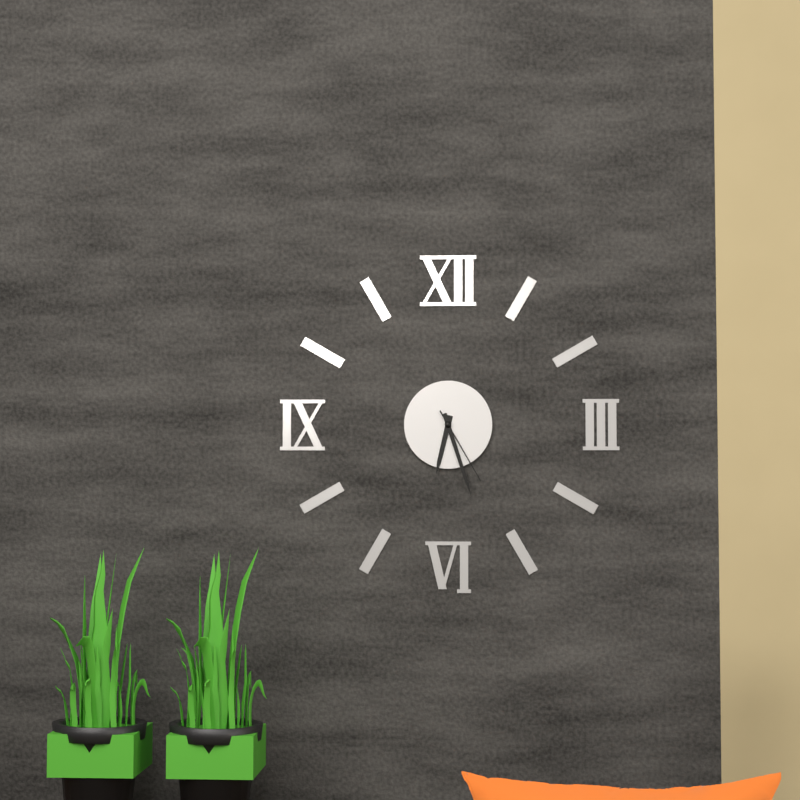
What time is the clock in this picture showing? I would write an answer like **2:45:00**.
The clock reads **6:27:25**
